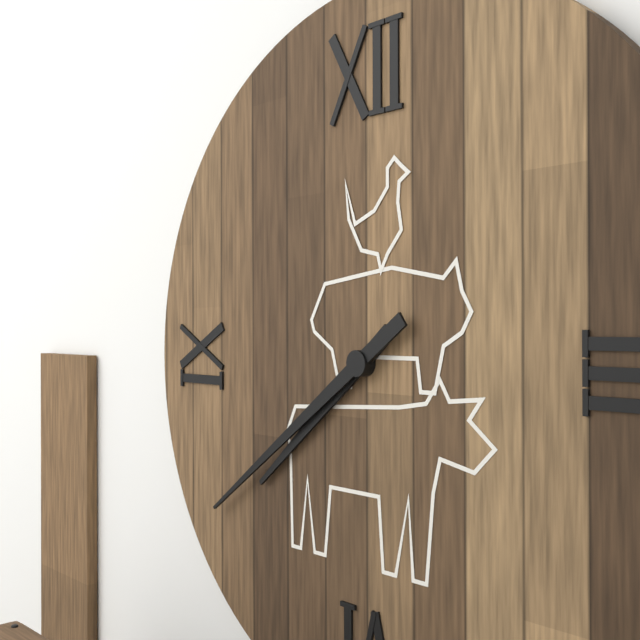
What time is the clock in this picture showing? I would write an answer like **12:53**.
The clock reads **7:39**
